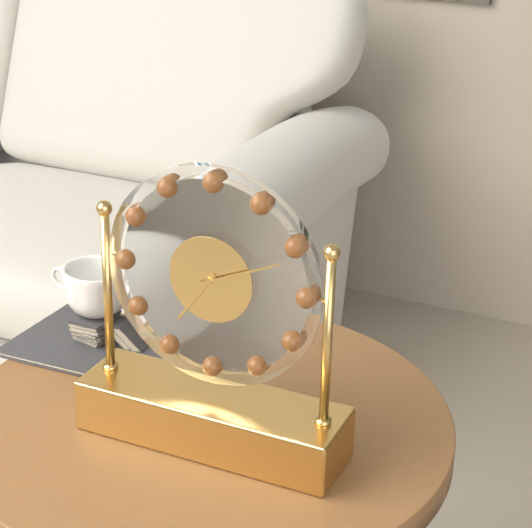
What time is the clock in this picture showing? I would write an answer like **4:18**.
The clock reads **7:11**
